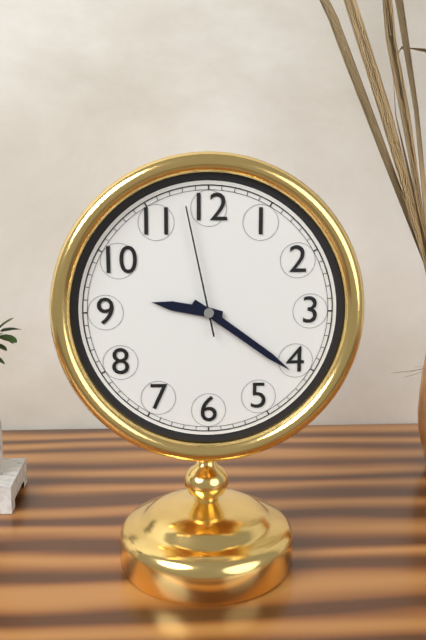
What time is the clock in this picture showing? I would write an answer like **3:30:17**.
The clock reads **9:21:58**
